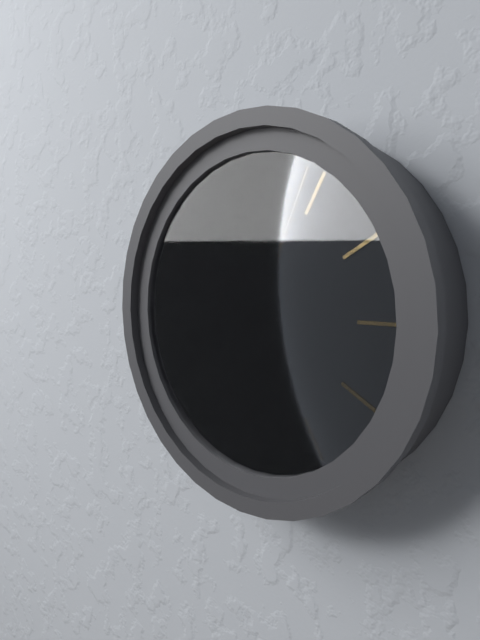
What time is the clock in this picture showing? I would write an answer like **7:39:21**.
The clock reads **8:36:04**
